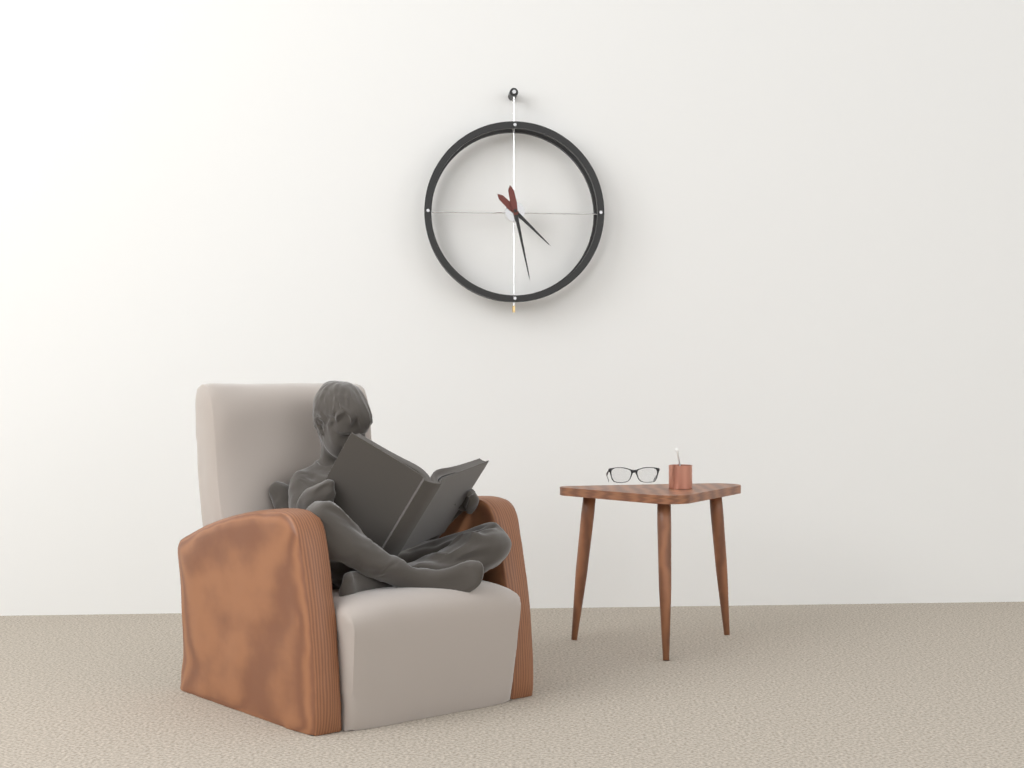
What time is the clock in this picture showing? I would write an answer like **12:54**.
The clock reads **4:28**
